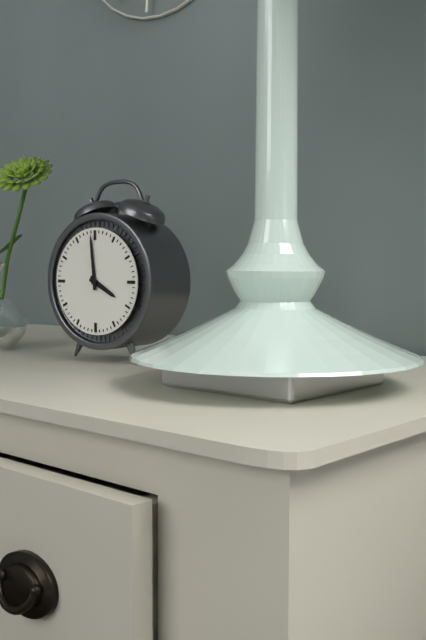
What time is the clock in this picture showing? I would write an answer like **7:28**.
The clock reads **3:59**
